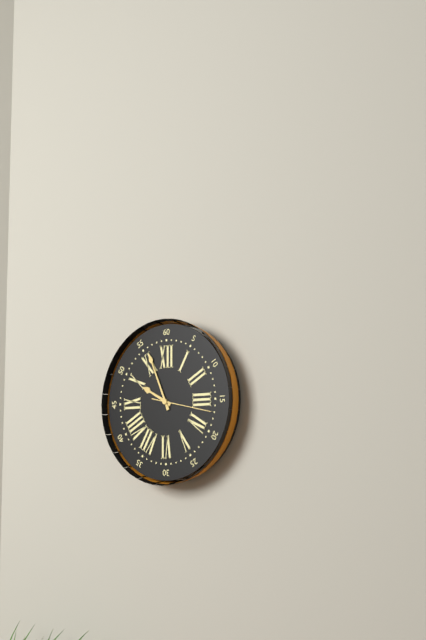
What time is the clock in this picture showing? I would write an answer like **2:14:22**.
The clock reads **9:56:17**
